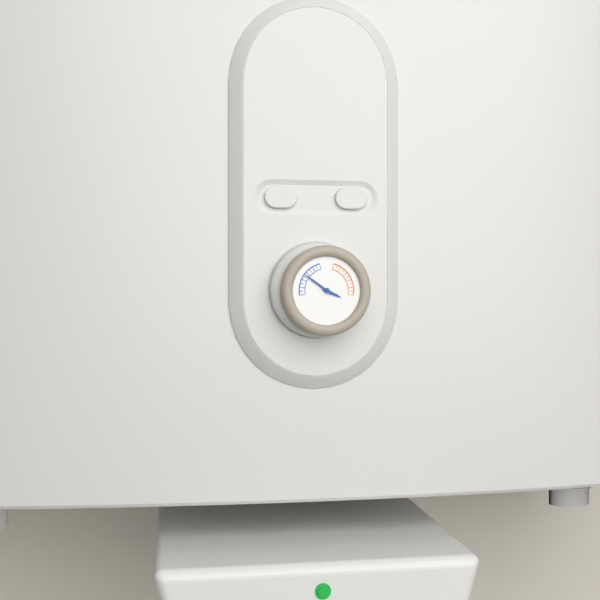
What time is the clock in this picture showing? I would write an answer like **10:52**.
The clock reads **3:51**
